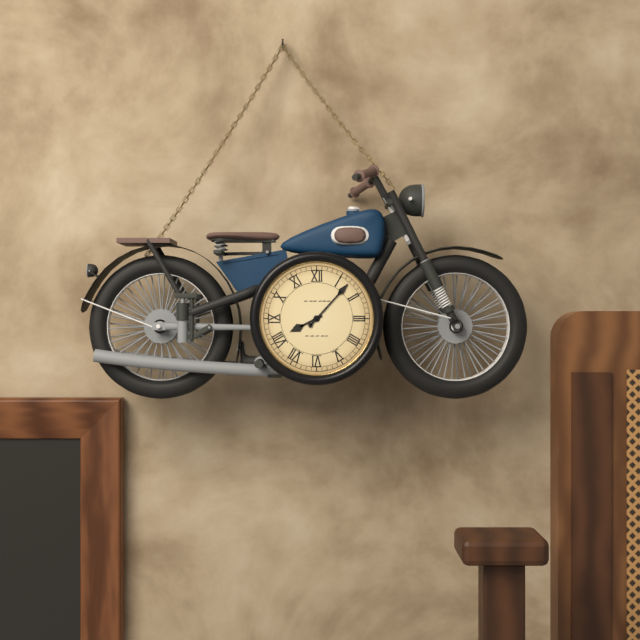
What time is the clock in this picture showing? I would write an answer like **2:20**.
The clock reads **8:07**
